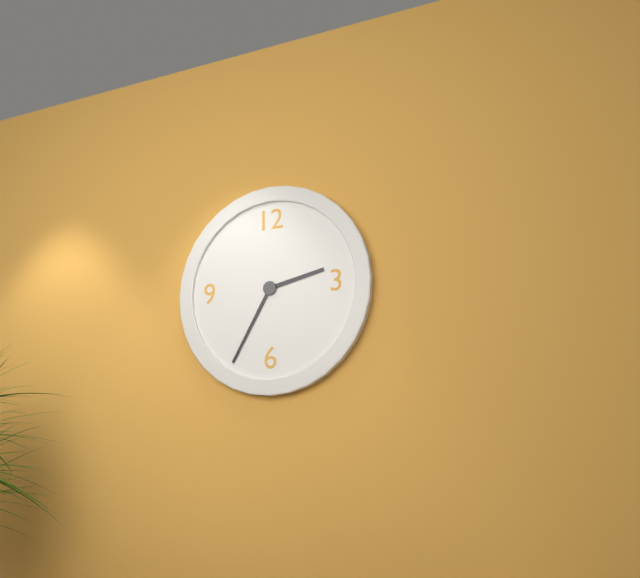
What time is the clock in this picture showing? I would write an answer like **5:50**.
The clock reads **2:35**
